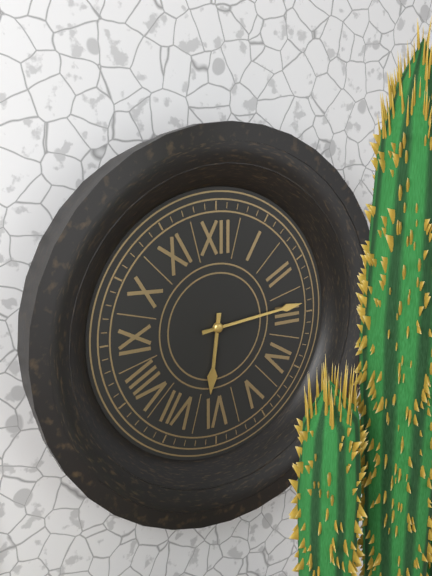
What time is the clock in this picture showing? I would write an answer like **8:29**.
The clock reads **6:14**
